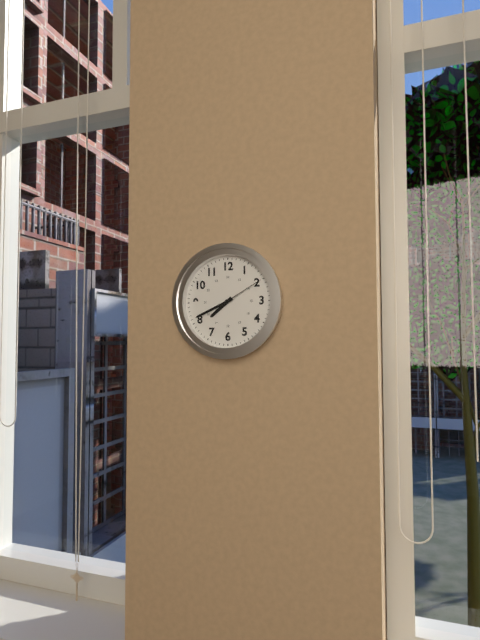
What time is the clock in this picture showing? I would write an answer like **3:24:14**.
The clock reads **7:41:10**
